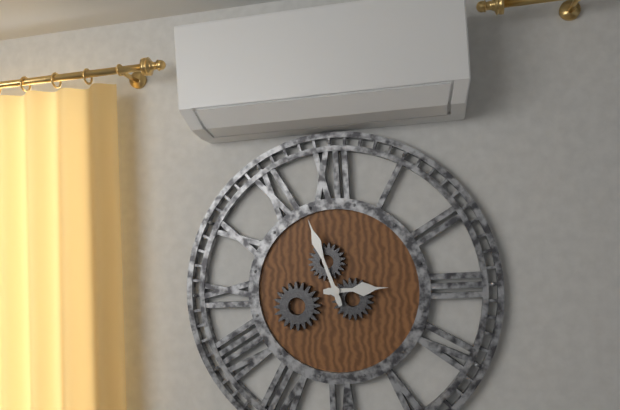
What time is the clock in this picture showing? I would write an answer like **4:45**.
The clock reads **2:57**
